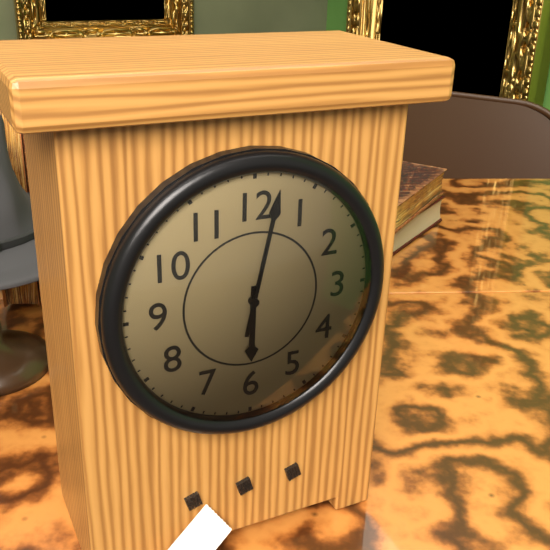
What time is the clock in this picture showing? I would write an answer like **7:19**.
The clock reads **6:02**
